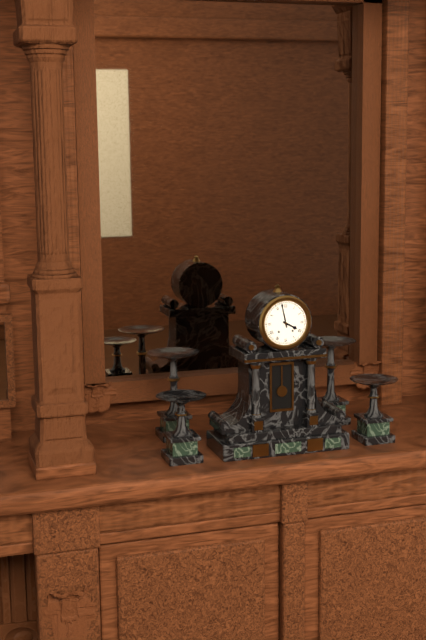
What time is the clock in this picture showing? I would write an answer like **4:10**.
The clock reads **3:58**
